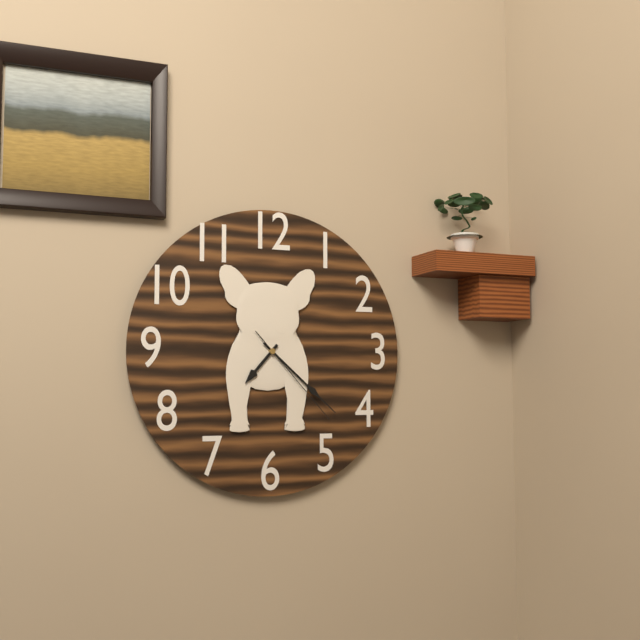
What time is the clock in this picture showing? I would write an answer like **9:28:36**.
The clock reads **7:22:23**
